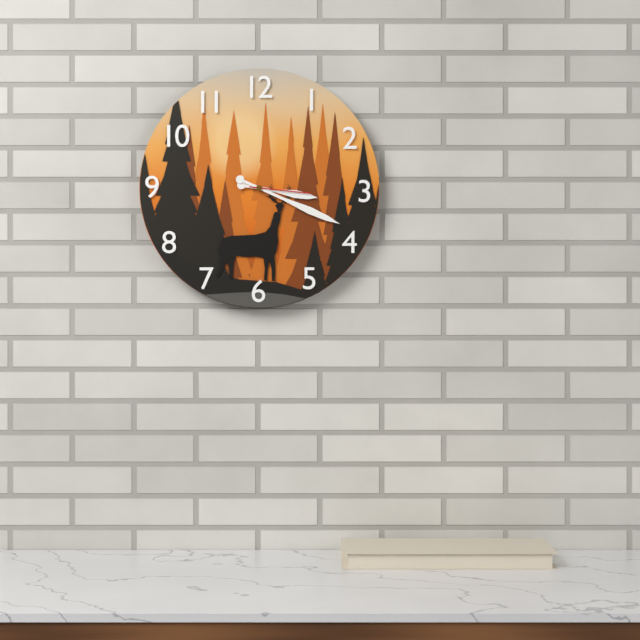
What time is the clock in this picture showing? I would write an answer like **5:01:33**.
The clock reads **3:19:16**
